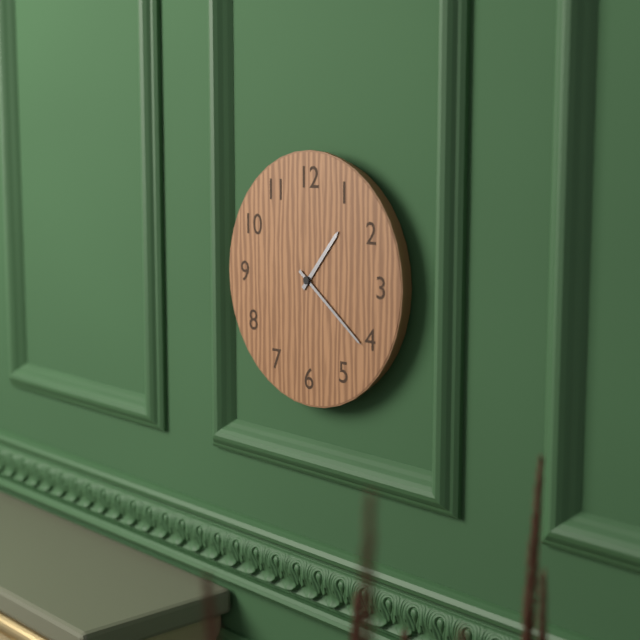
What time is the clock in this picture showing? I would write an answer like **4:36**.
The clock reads **1:21**
